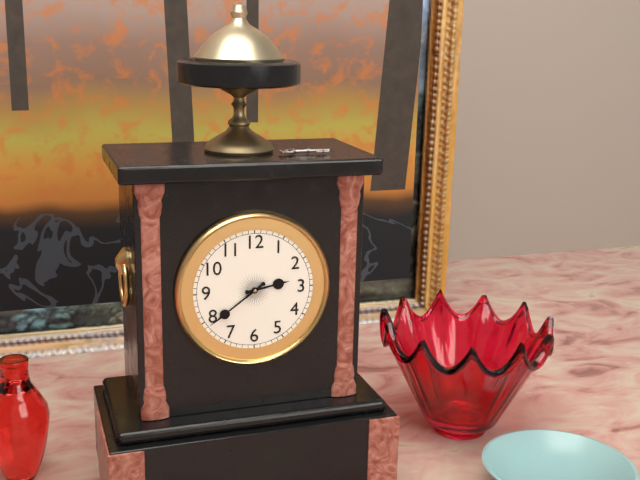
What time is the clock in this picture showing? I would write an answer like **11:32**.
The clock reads **2:39**
